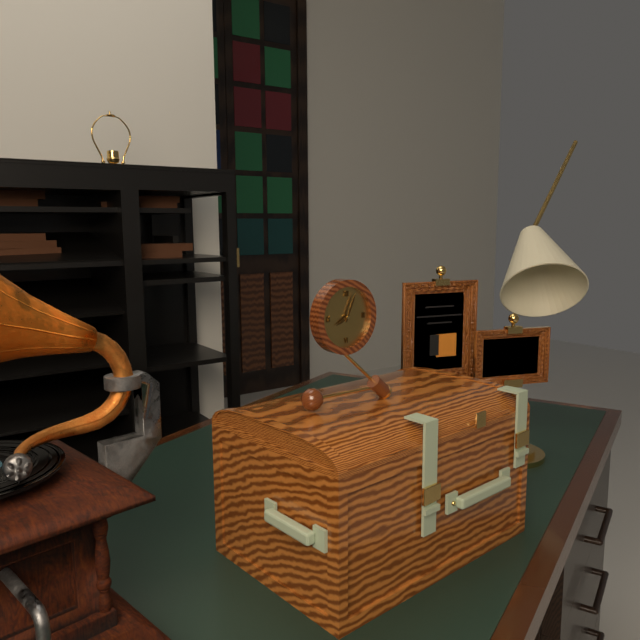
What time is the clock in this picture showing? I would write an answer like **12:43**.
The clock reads **8:04**
